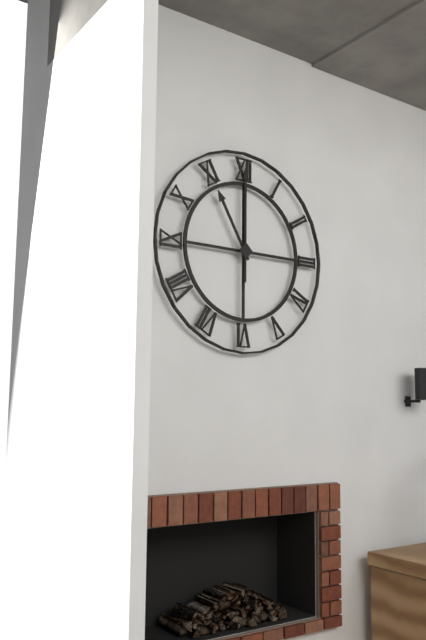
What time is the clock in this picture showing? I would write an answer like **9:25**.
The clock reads **11:00**
